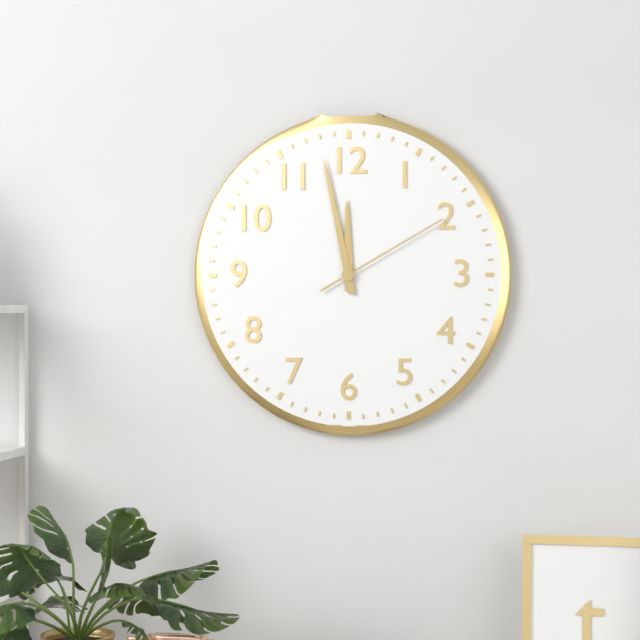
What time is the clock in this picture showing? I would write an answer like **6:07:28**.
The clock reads **11:58:10**
